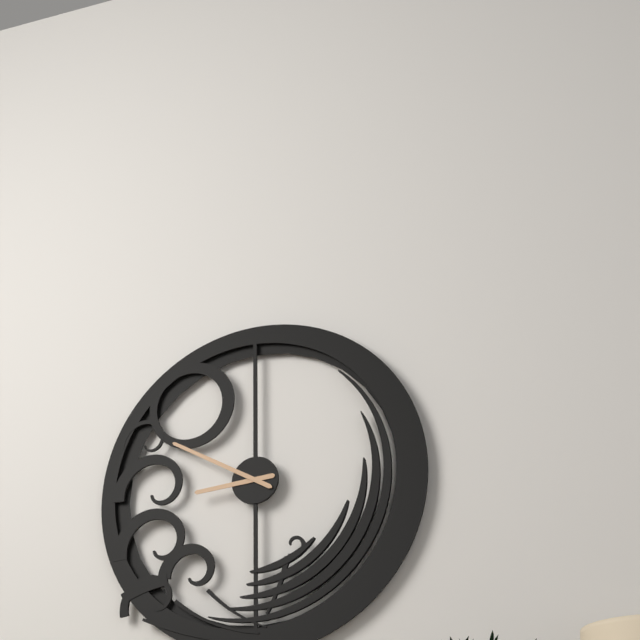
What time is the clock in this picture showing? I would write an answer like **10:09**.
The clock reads **8:50**
